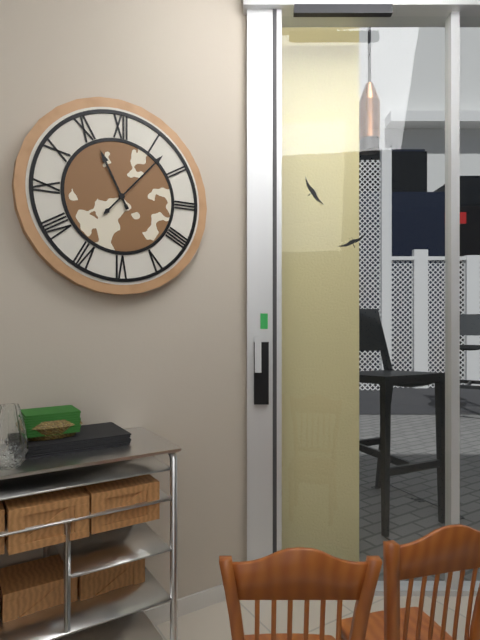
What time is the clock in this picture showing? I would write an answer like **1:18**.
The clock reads **11:07**
